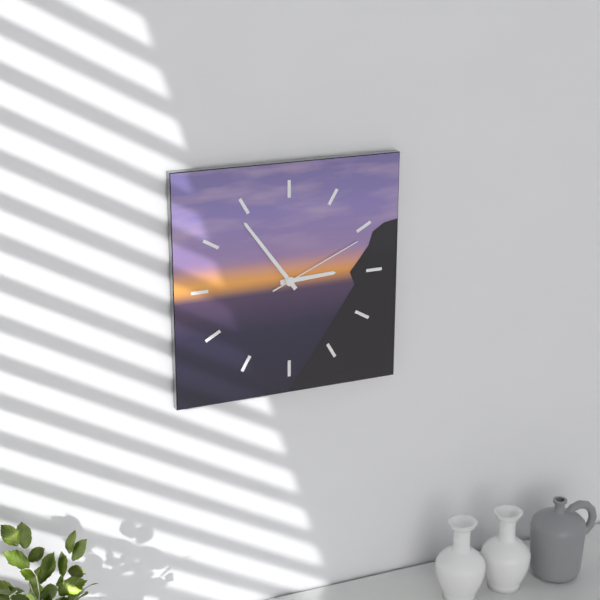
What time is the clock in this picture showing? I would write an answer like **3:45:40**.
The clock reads **2:54:11**
